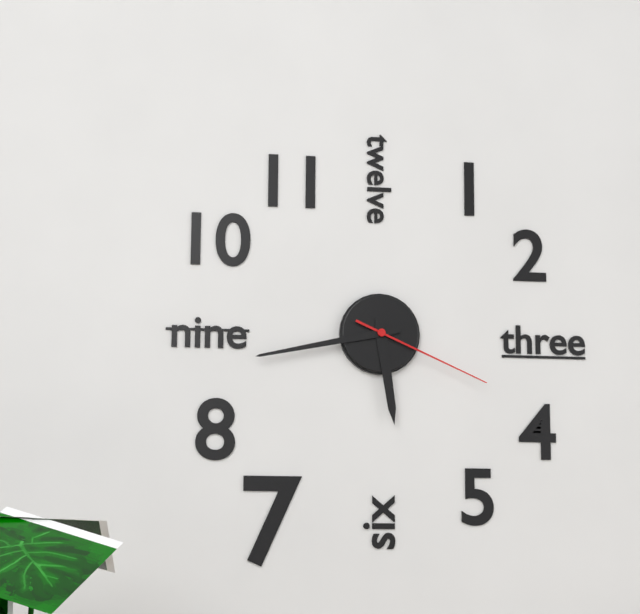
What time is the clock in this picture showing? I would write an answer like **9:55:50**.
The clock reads **5:43:19**
